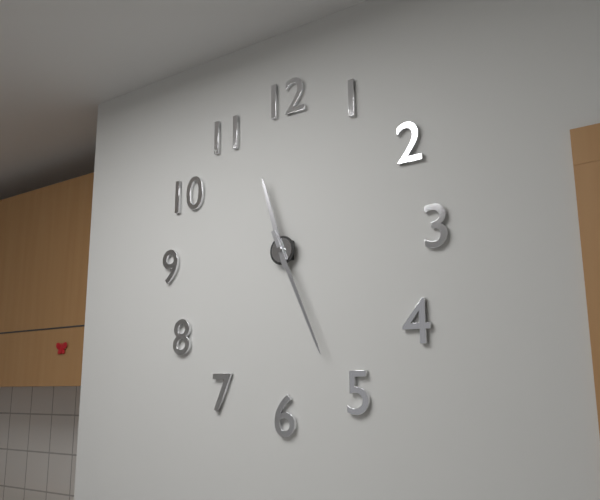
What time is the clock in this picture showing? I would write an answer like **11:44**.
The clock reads **11:26**
